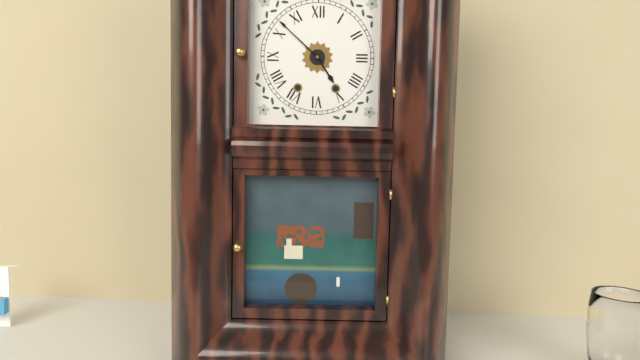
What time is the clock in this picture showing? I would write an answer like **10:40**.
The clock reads **4:52**
